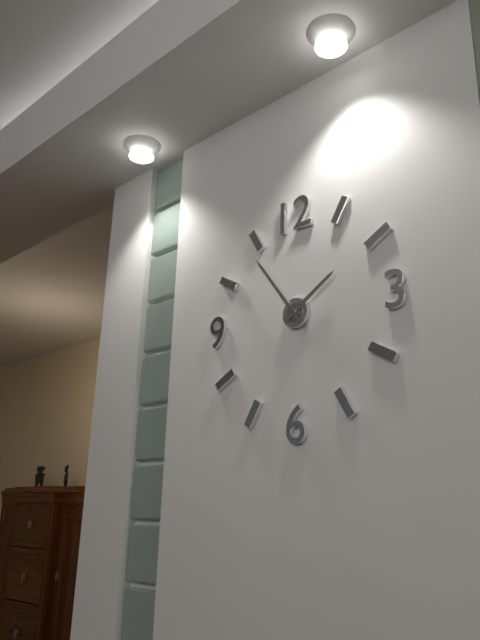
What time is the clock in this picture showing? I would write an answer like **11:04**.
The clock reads **1:54**
